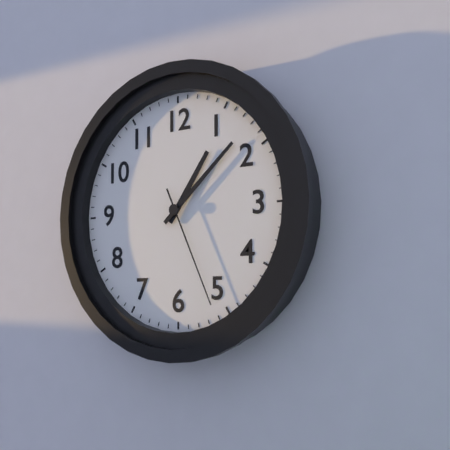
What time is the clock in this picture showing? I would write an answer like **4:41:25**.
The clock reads **1:08:26**
